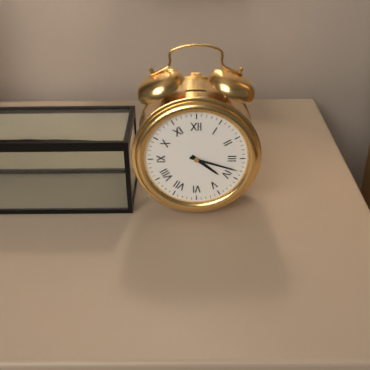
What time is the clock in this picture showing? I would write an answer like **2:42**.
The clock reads **4:18**
